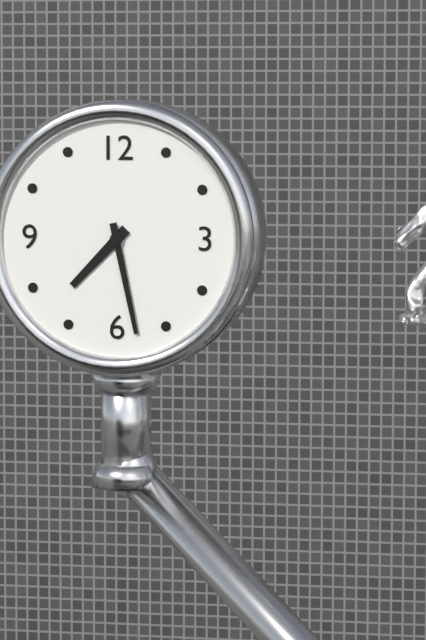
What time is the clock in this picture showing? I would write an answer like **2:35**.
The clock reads **7:28**
